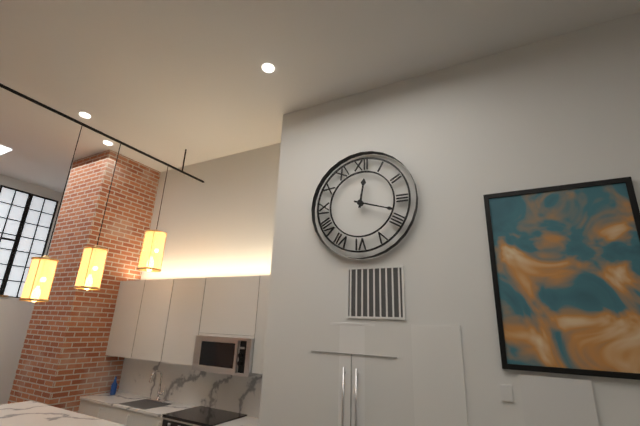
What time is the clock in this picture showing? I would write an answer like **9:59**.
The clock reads **12:18**
